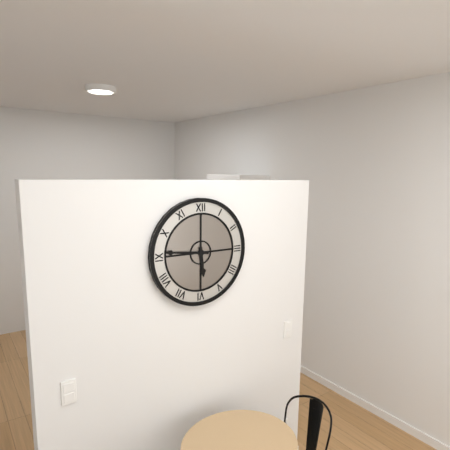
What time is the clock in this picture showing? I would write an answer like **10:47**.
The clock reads **5:46**
